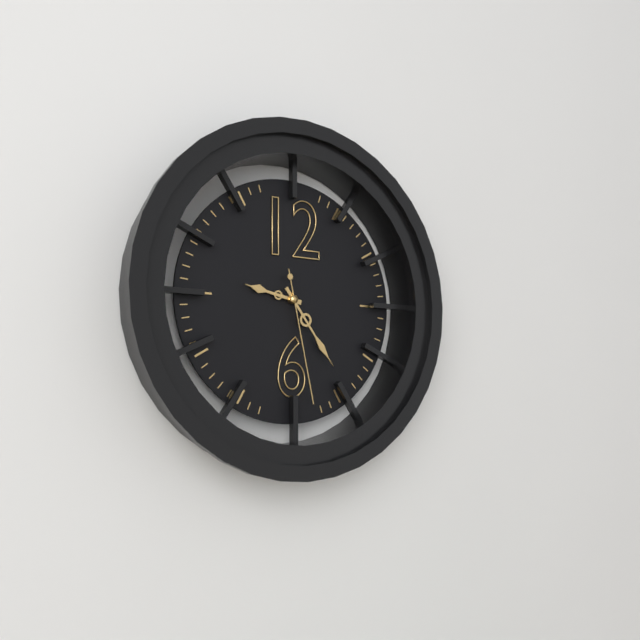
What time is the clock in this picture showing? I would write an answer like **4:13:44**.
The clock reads **9:24:28**
